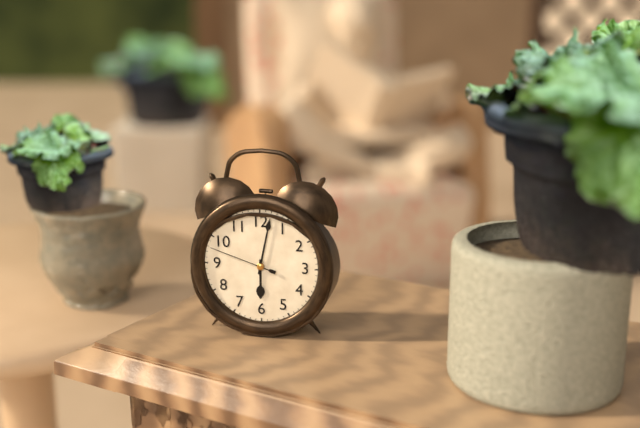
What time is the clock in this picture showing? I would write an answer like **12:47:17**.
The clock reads **6:02:48**
